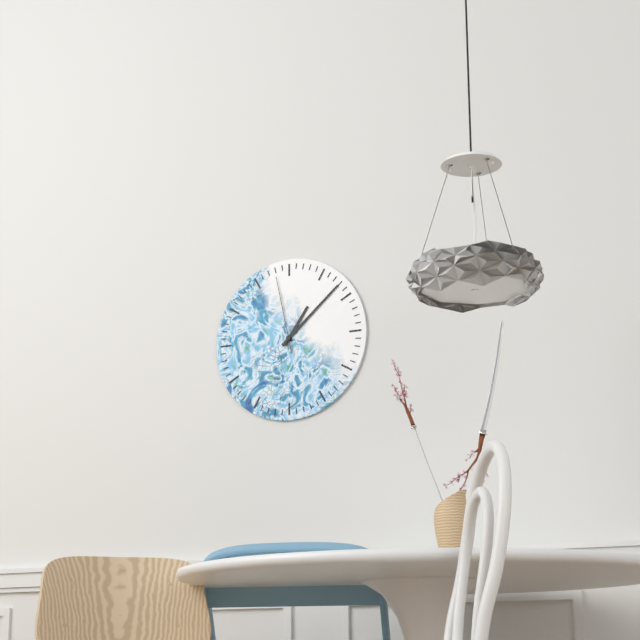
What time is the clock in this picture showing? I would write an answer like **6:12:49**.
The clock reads **1:08:58**
